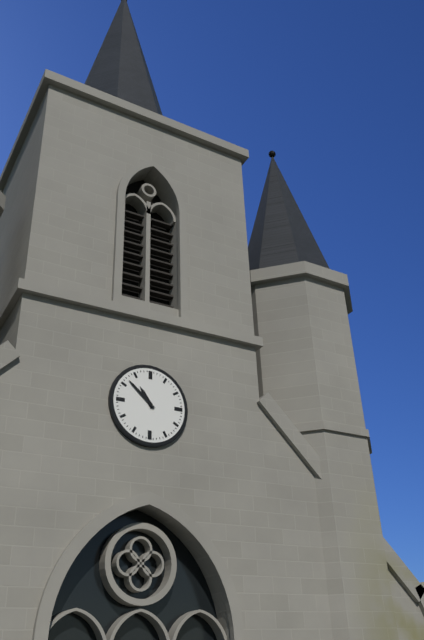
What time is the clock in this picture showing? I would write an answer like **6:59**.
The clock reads **10:52**
